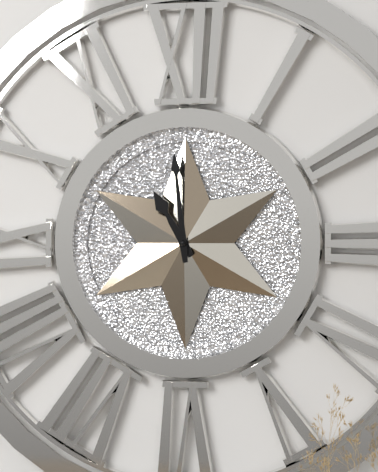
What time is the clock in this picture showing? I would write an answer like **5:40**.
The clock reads **10:59**
